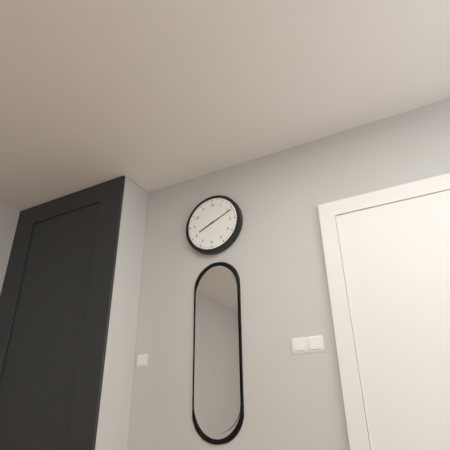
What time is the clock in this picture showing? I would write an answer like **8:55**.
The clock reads **8:11**
